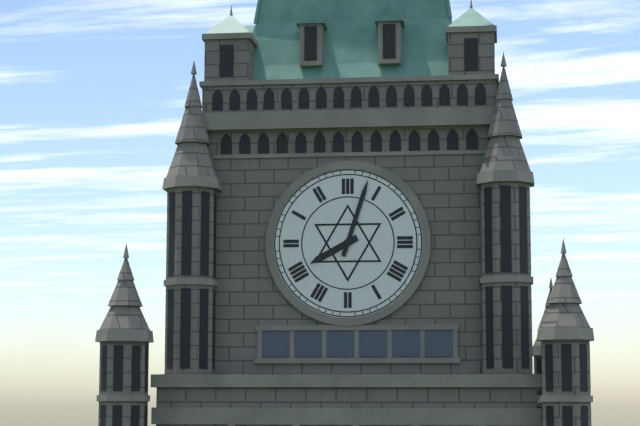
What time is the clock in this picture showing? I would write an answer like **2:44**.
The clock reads **8:03**
